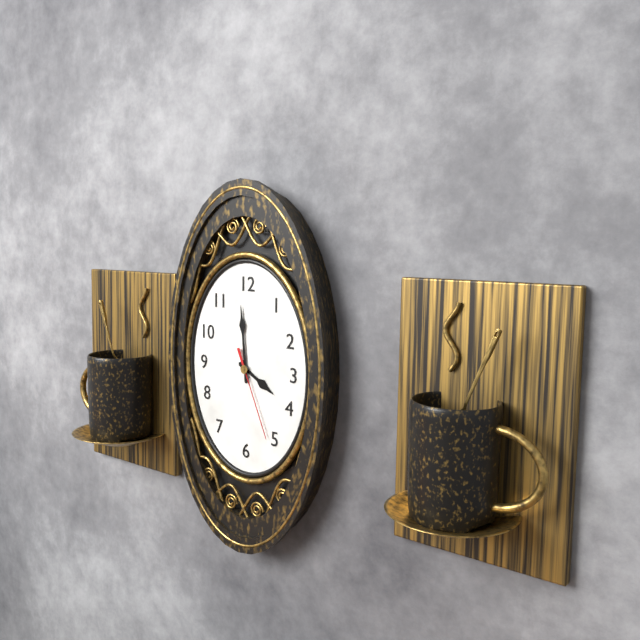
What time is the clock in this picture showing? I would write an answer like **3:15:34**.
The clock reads **3:59:26**
